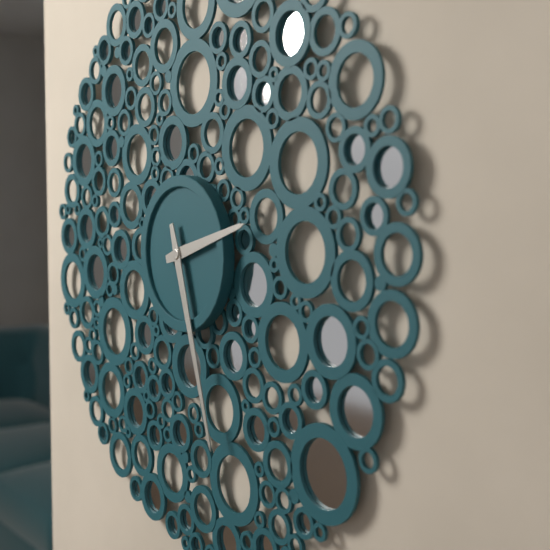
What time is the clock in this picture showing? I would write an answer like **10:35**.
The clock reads **2:27**
